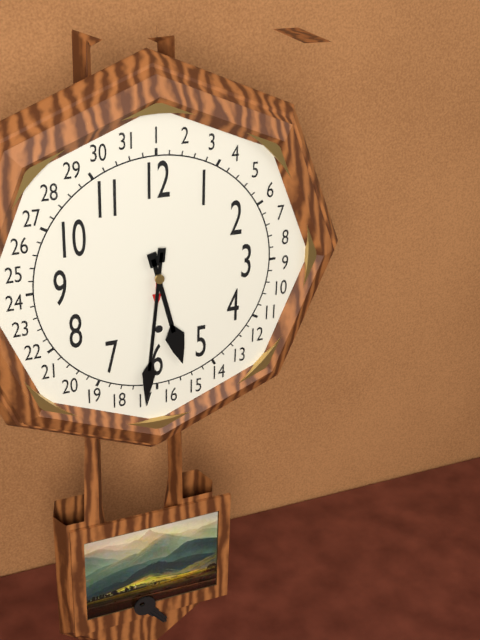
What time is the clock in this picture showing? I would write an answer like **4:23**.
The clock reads **5:31**
